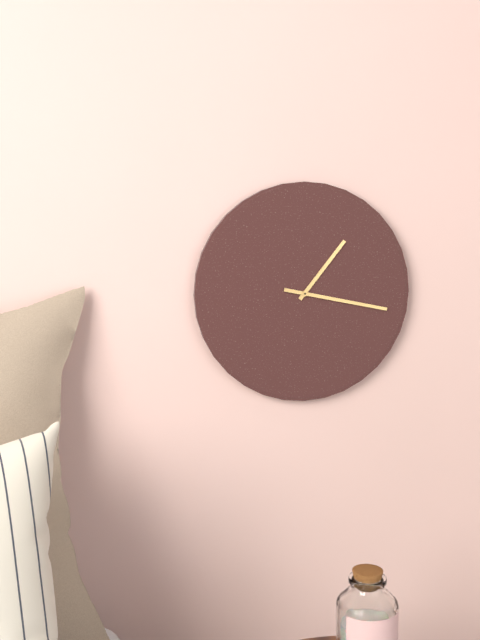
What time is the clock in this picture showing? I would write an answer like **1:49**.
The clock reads **1:17**
